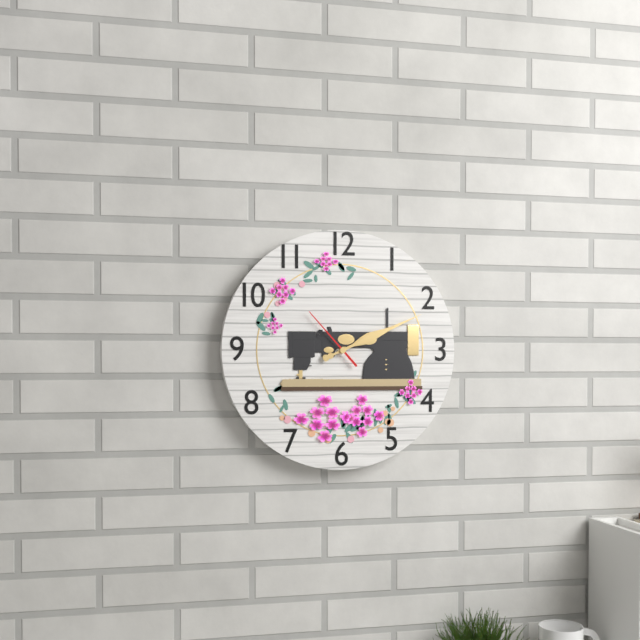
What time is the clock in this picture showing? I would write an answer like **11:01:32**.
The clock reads **2:11:53**
